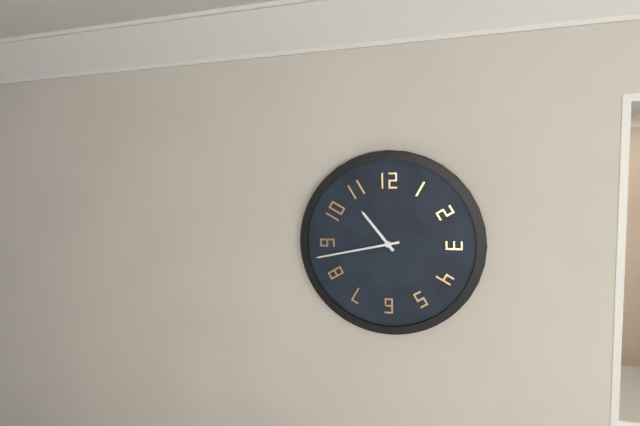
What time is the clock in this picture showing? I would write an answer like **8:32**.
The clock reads **10:43**
